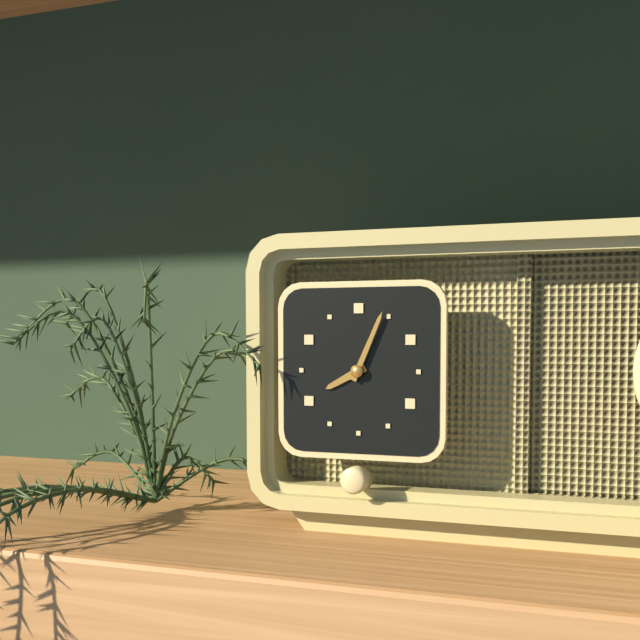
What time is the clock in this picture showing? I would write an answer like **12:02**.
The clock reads **8:04**
